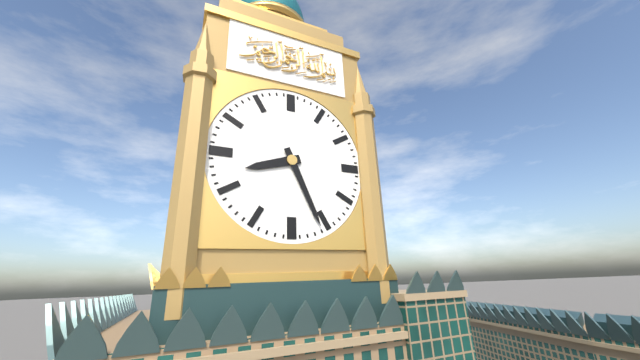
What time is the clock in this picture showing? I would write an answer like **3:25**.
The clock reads **8:26**
